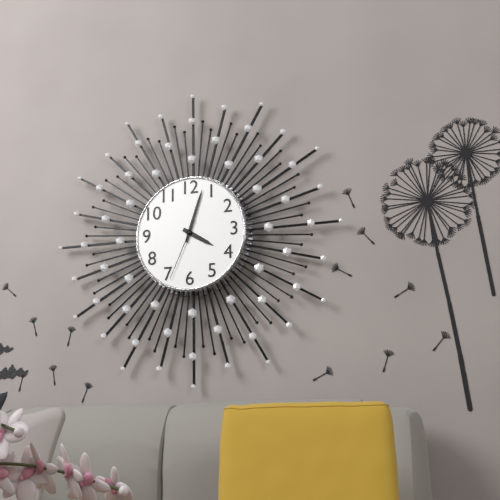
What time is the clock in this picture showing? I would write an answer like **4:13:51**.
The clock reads **4:03:34**
